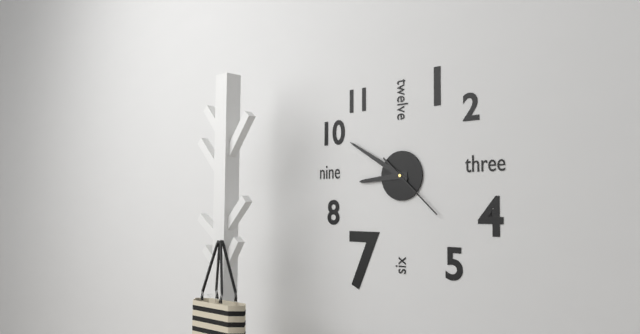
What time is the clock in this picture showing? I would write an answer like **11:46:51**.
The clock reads **8:50:22**
